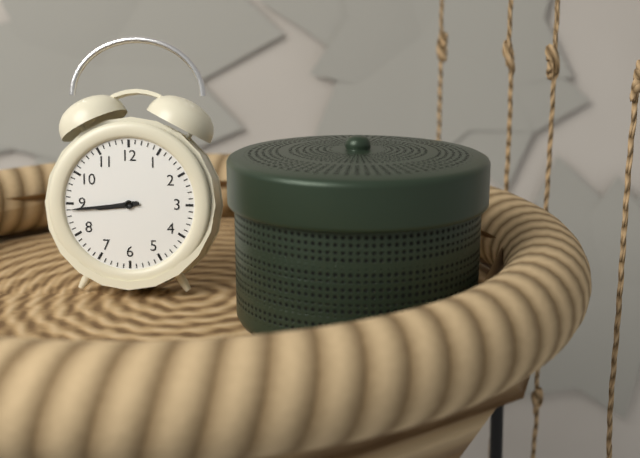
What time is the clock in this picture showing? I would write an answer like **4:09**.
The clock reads **8:44**
